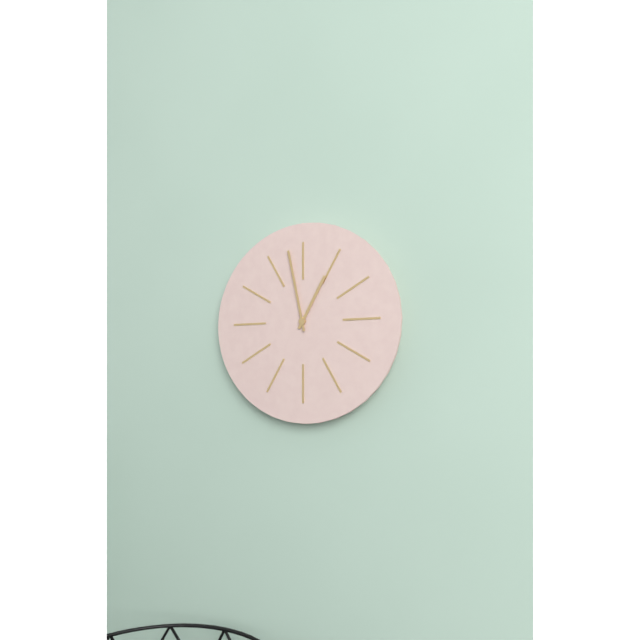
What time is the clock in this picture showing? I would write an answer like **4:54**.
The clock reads **12:58**
